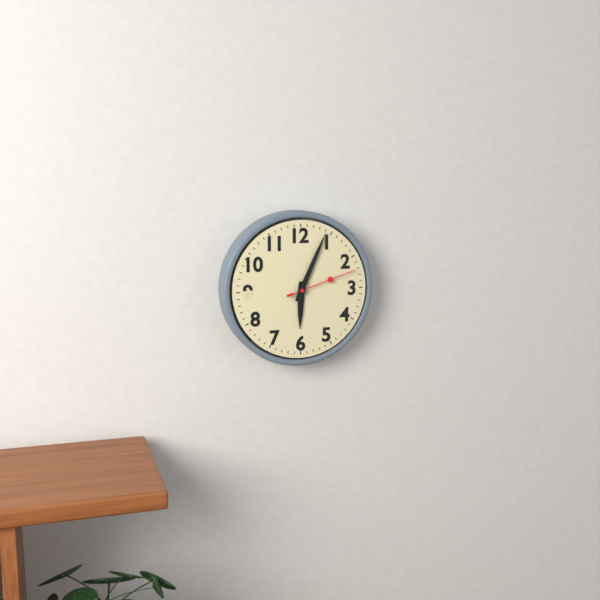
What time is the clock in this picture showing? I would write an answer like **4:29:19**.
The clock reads **6:04:12**
